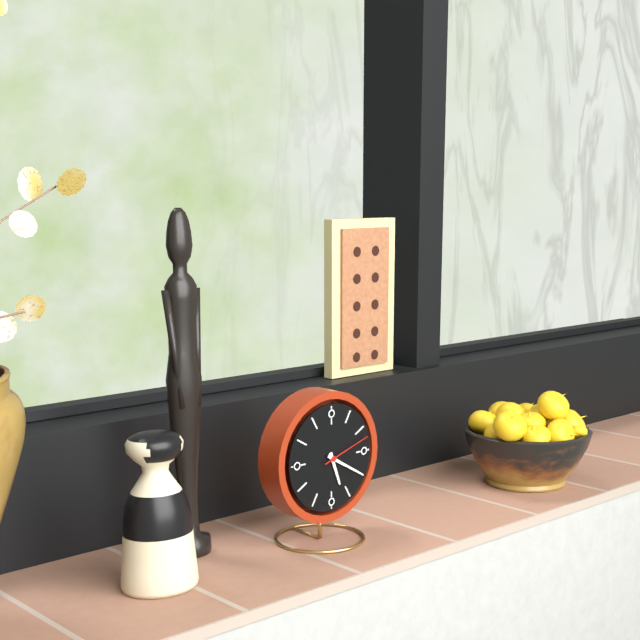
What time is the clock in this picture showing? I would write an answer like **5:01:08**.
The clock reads **5:20:12**
